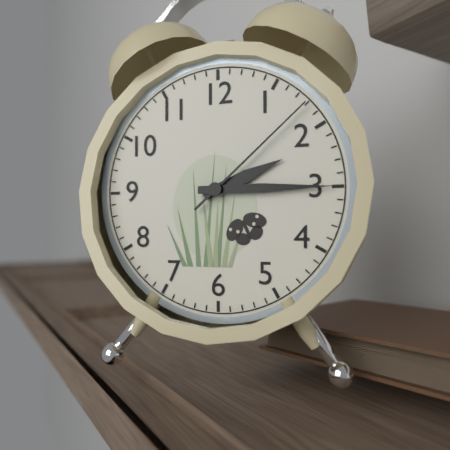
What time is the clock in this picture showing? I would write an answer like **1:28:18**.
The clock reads **2:15:08**
